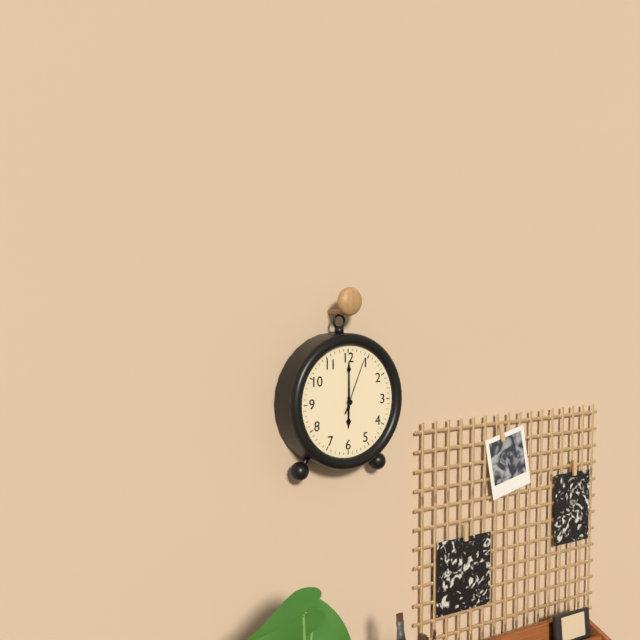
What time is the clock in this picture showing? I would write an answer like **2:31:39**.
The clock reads **6:00:04**
